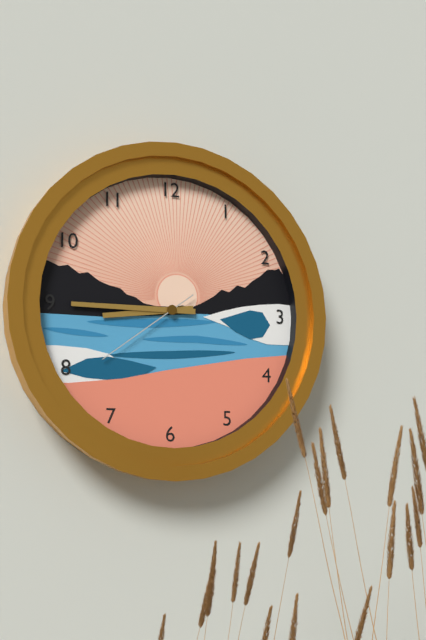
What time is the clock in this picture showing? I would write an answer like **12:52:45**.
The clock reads **8:45:39**
